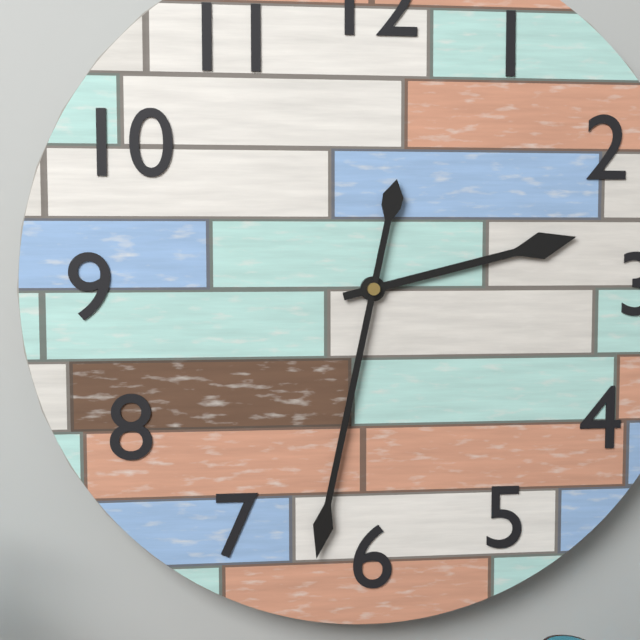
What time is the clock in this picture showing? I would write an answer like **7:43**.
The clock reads **2:32**
